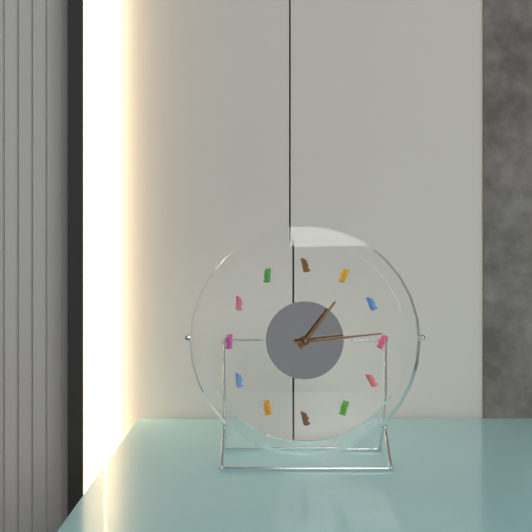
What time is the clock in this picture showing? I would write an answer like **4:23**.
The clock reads **1:14**
